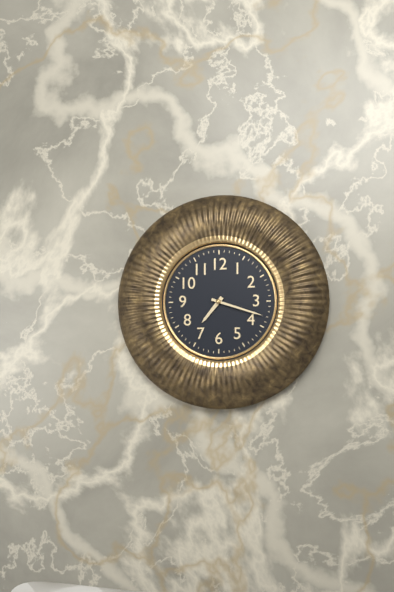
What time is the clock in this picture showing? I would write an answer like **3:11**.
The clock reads **7:18**
